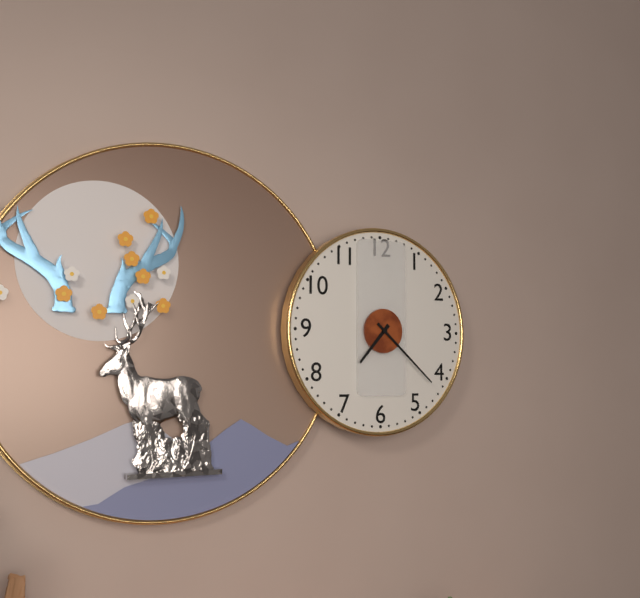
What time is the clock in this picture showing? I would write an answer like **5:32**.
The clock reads **7:22**
